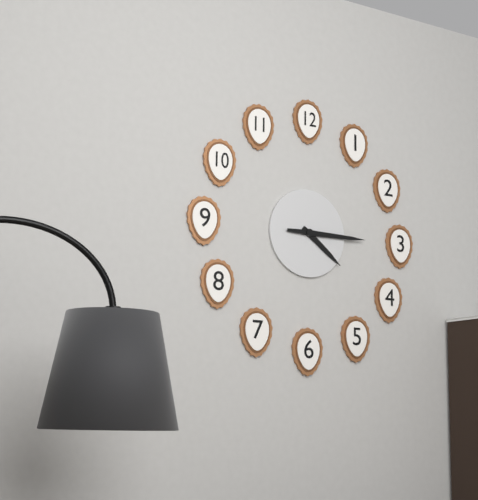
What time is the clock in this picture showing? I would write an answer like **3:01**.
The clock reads **4:15**
